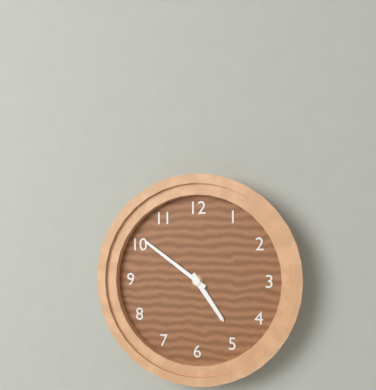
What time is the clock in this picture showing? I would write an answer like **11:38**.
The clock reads **4:51**
